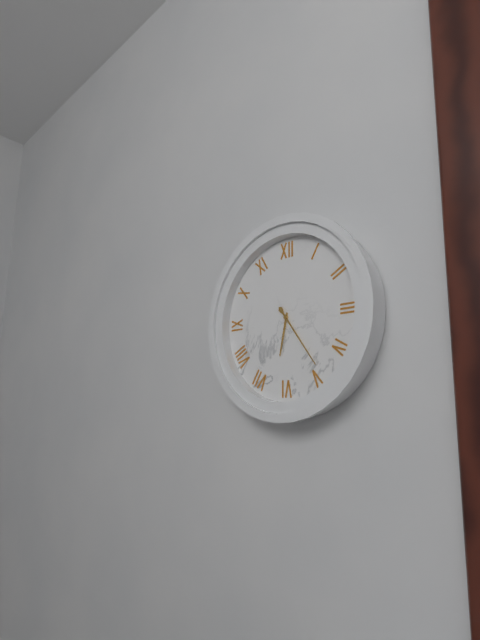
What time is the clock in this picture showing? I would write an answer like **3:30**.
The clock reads **6:24**
